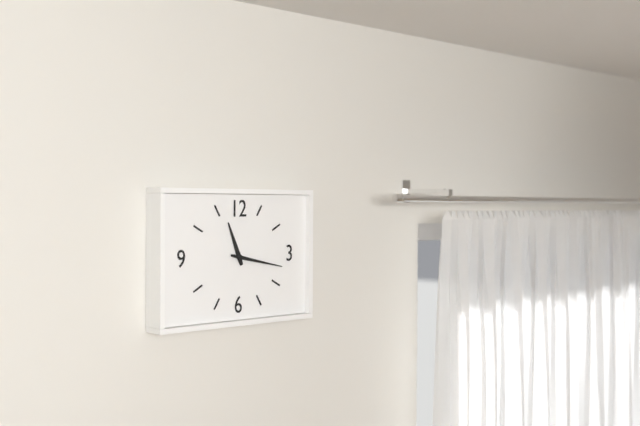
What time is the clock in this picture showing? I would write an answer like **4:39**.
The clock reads **11:17**
